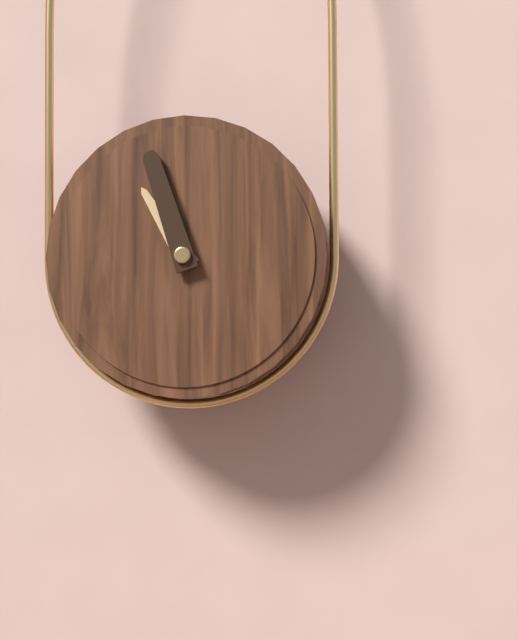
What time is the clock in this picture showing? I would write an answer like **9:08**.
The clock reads **10:57**
